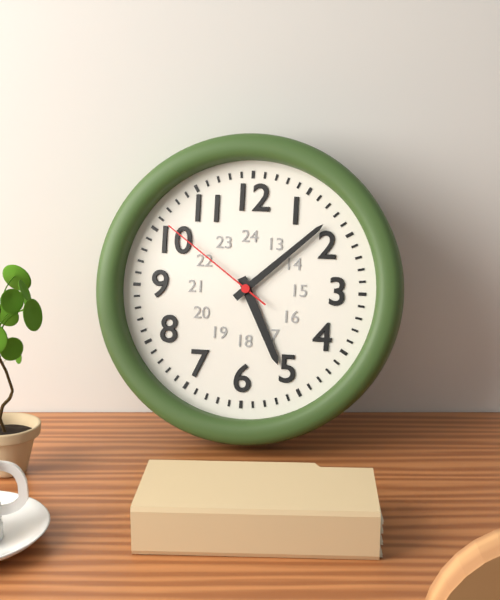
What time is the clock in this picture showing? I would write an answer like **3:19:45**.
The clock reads **5:08:51**
